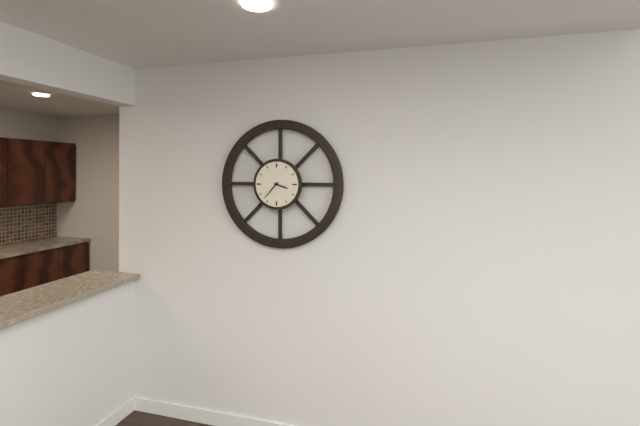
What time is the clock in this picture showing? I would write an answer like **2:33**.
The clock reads **3:37**
